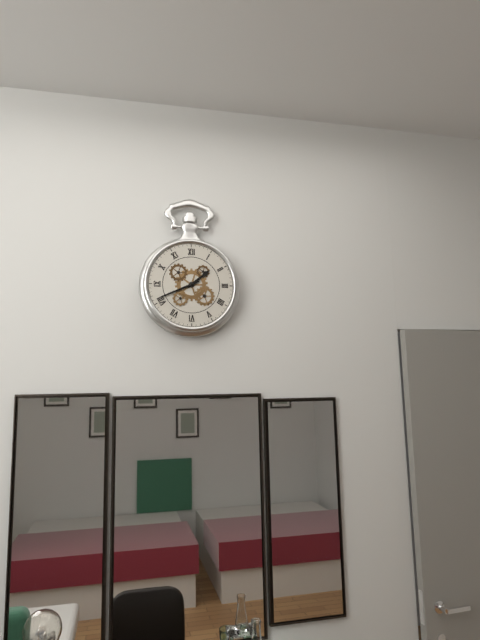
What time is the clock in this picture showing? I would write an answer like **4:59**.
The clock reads **1:41**
